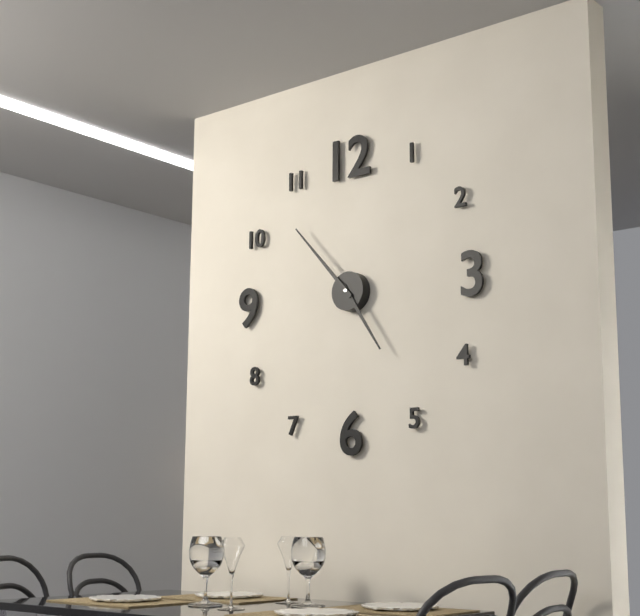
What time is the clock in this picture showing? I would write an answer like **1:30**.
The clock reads **4:53**
